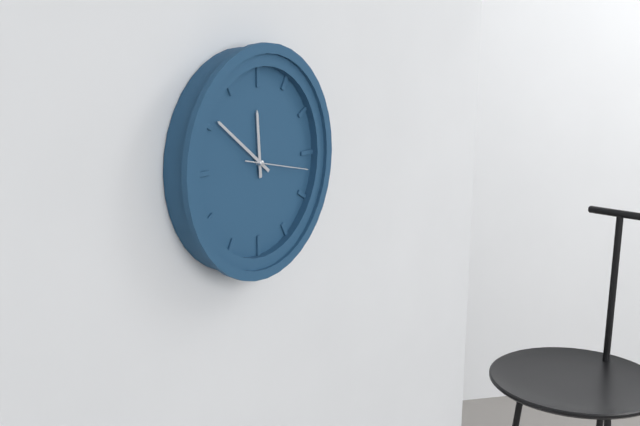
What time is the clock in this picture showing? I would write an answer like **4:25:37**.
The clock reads **11:51:17**
